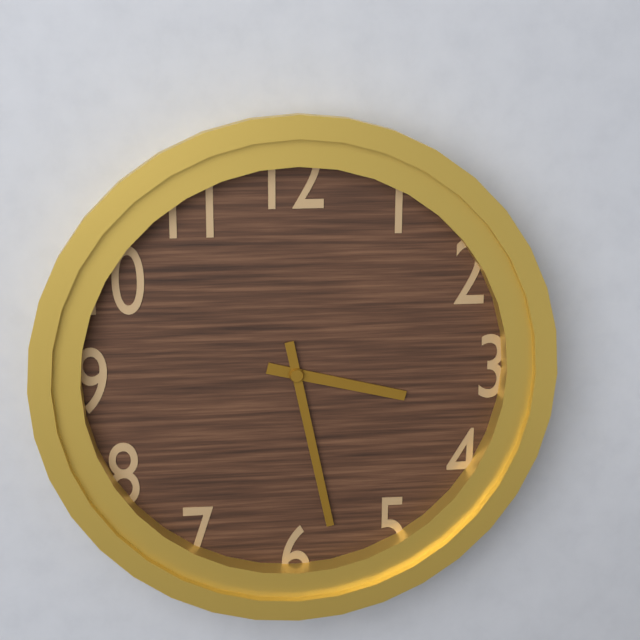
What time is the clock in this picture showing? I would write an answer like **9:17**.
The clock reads **3:28**
